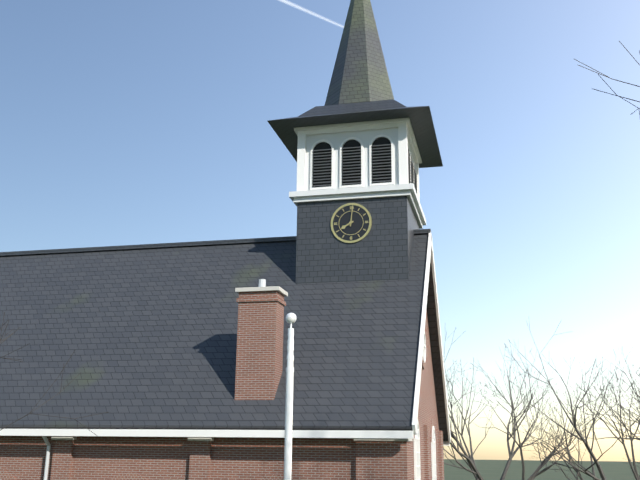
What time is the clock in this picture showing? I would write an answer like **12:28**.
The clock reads **8:01**
